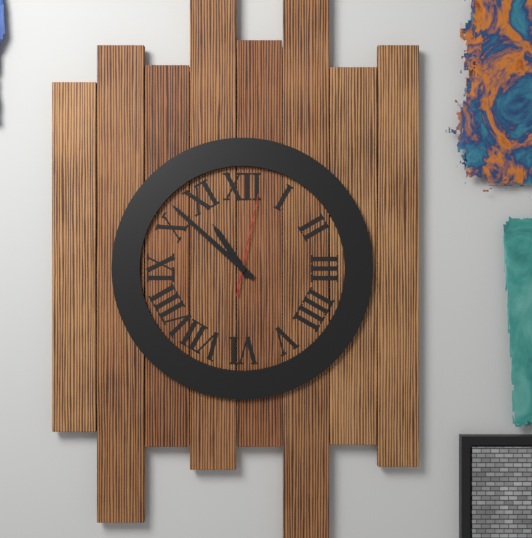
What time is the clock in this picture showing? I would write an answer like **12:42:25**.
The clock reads **10:52:02**
